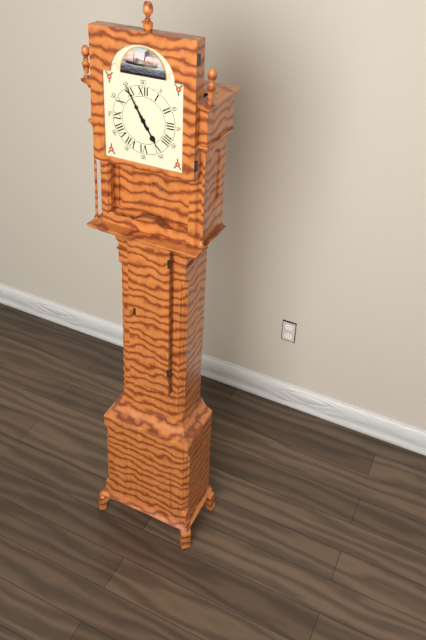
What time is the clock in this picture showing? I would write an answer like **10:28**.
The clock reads **4:55**
